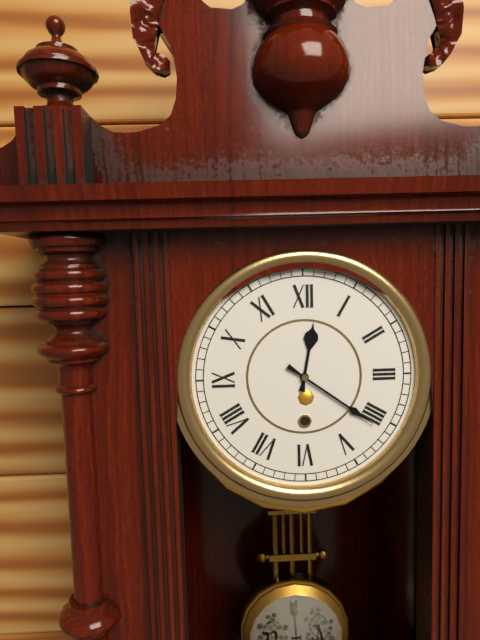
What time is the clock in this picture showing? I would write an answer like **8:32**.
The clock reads **12:21**
